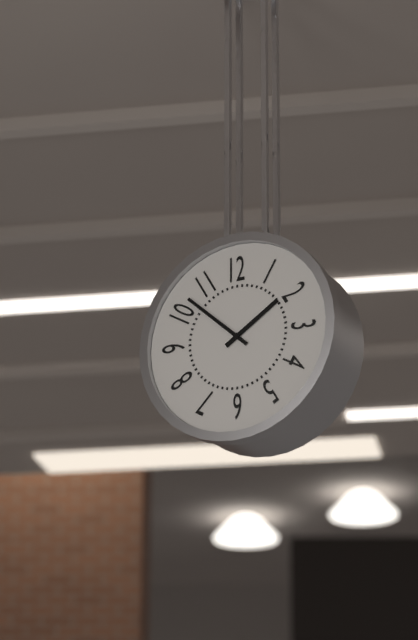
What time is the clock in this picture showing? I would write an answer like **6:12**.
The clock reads **1:52**
